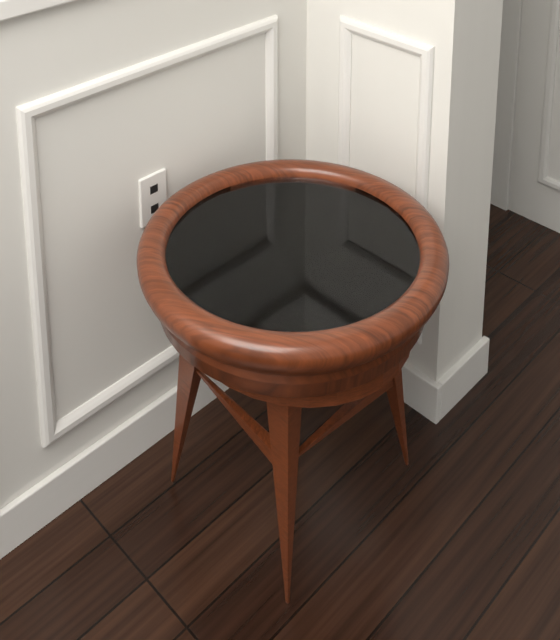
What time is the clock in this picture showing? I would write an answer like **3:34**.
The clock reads **12:25**
